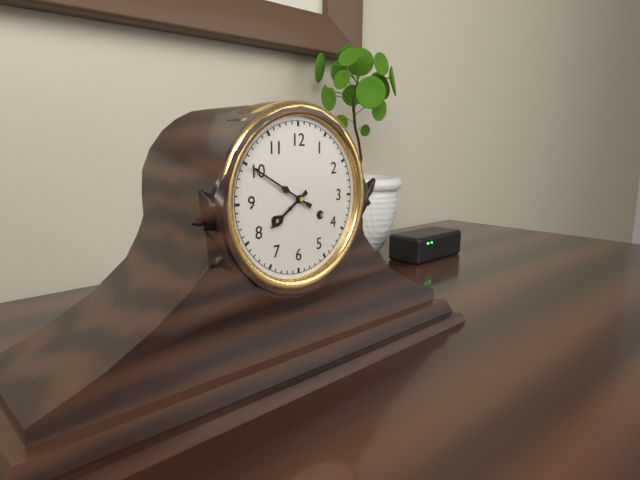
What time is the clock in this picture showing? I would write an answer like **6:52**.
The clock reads **7:50**
